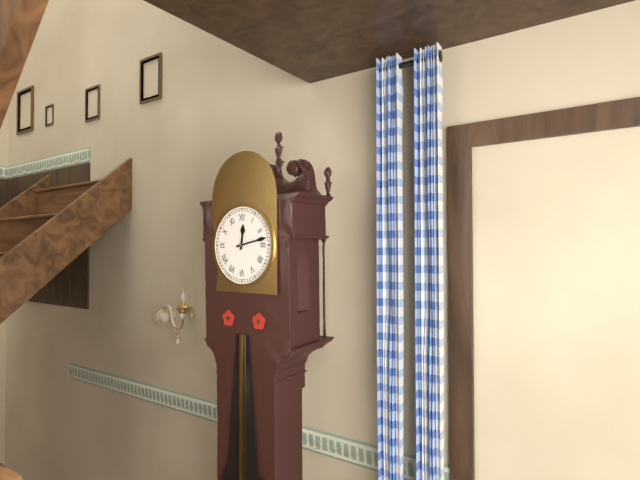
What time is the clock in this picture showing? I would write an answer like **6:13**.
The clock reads **12:13**
